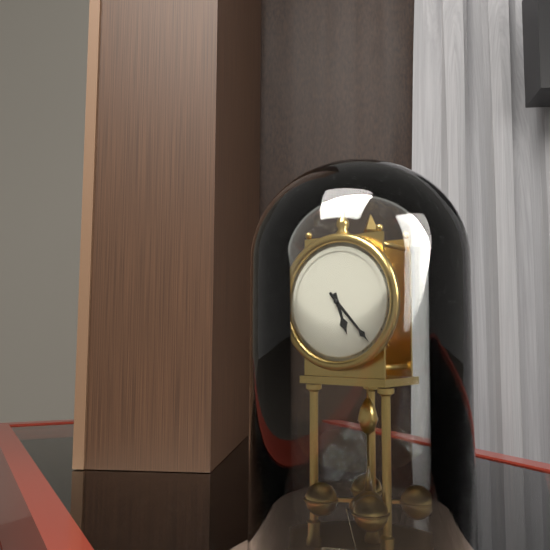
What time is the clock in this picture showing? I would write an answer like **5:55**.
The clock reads **5:23**
